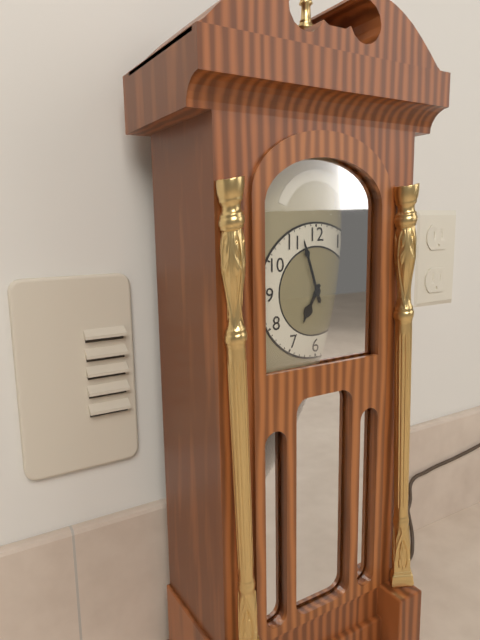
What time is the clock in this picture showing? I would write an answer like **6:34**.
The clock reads **6:57**
